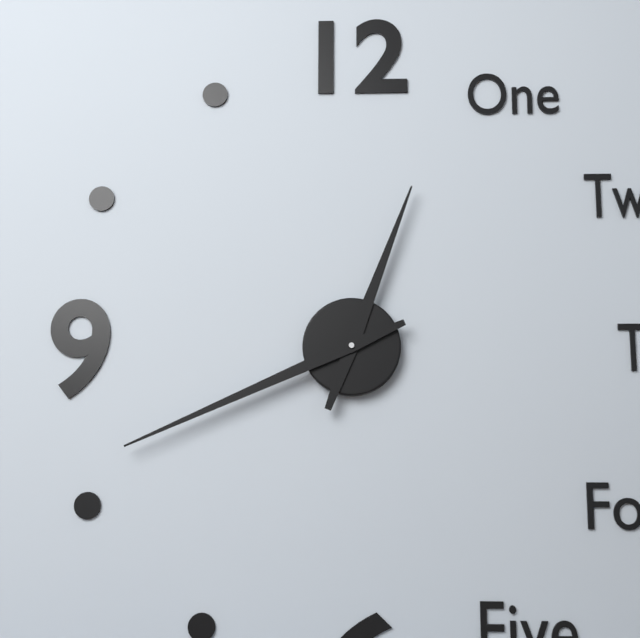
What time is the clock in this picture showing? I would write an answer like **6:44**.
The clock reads **12:41**
